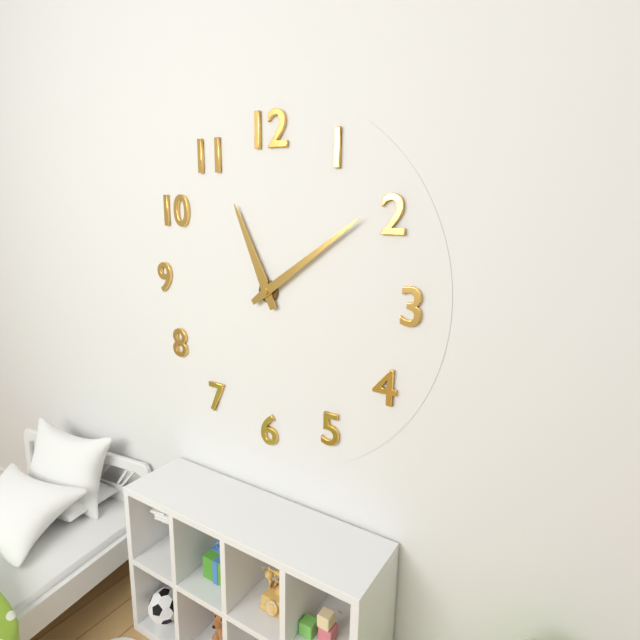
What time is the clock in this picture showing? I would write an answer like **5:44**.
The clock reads **11:09**
